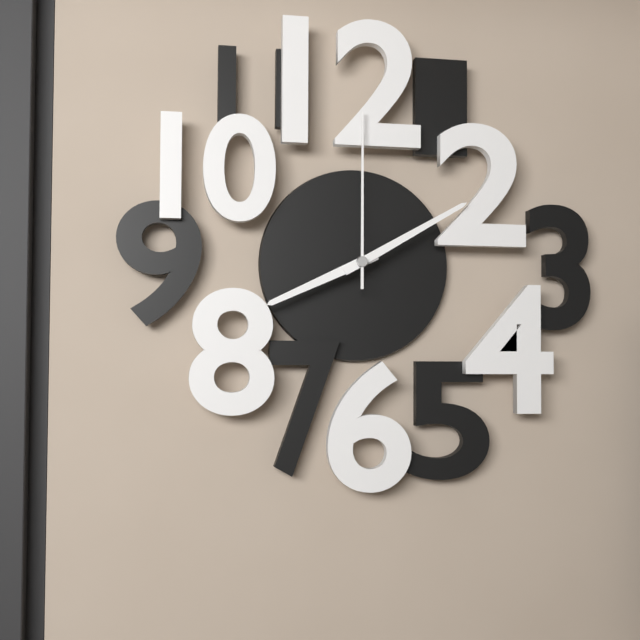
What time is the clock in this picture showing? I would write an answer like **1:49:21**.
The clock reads **8:10:00**
